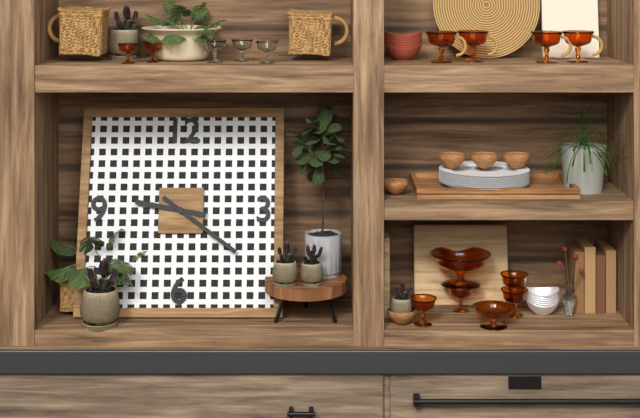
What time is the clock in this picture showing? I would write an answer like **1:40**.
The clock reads **9:21**
